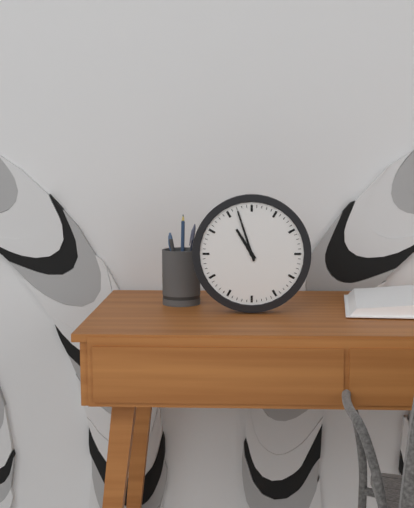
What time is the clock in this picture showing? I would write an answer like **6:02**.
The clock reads **10:57**
